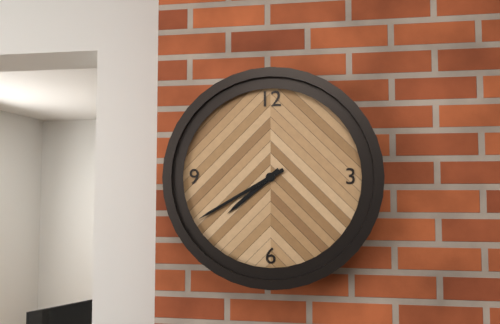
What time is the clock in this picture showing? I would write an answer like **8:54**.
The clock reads **7:40**
